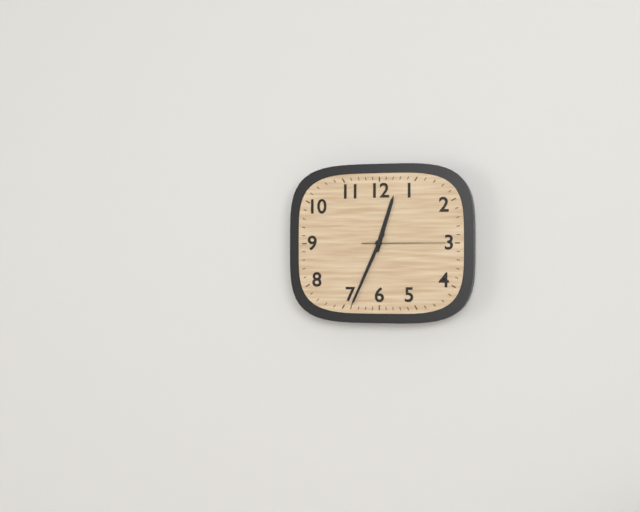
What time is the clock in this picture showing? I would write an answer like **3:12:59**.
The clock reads **12:34:15**
